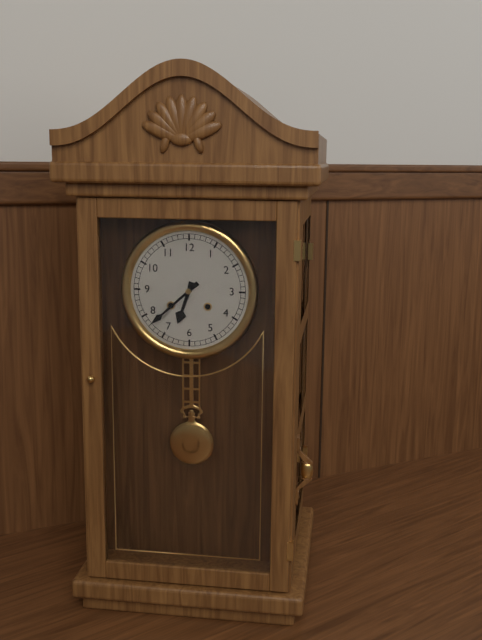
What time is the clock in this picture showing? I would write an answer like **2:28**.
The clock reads **6:38**
